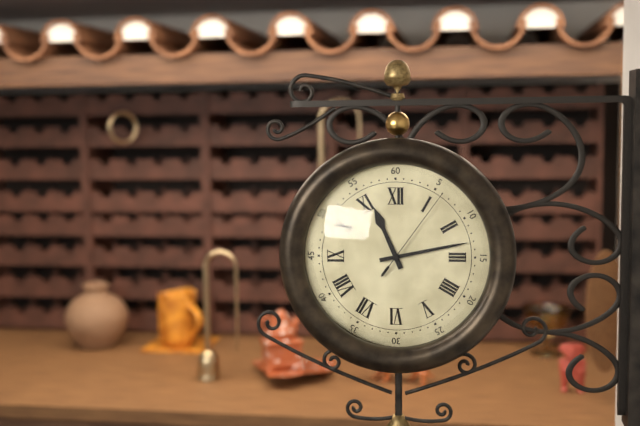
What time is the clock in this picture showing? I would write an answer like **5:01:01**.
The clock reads **11:13:06**
